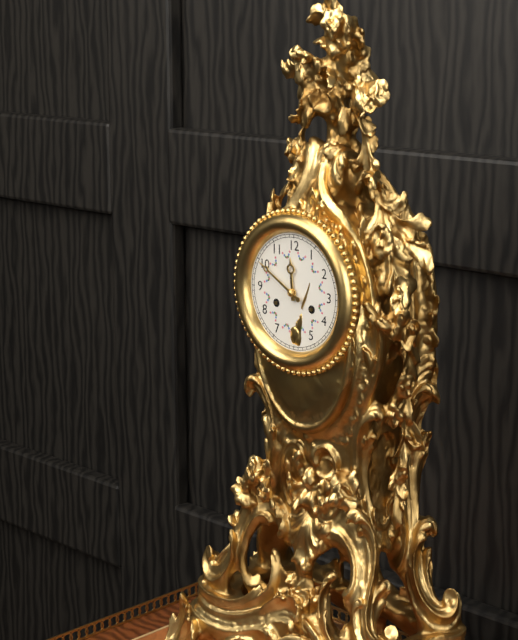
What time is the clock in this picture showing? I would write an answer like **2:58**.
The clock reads **11:50**
